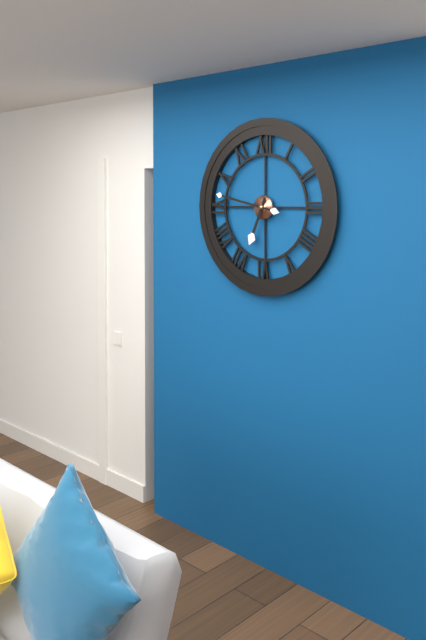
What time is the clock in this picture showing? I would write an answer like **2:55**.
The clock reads **6:47**
